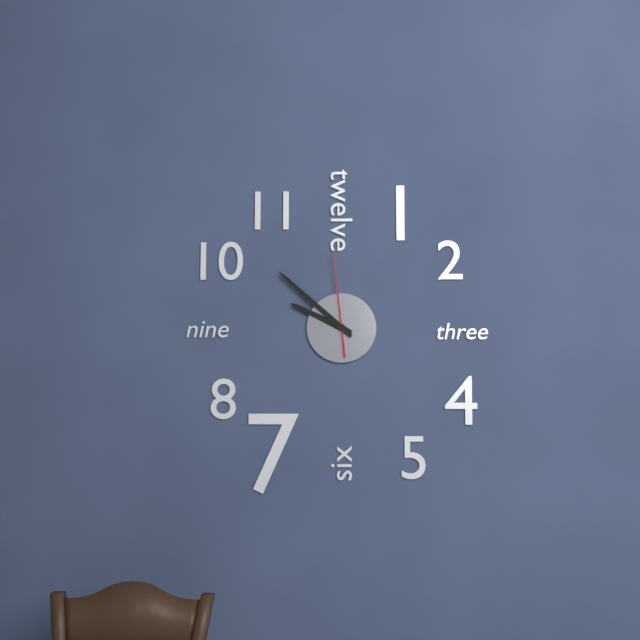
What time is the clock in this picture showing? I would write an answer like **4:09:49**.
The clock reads **9:52:59**
